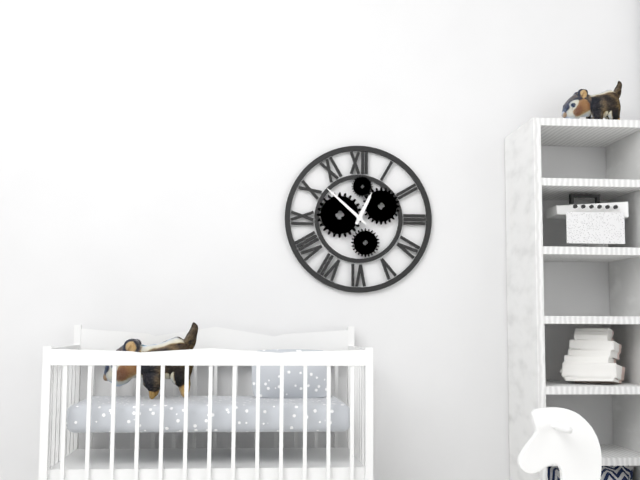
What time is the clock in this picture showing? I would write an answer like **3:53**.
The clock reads **12:52**
